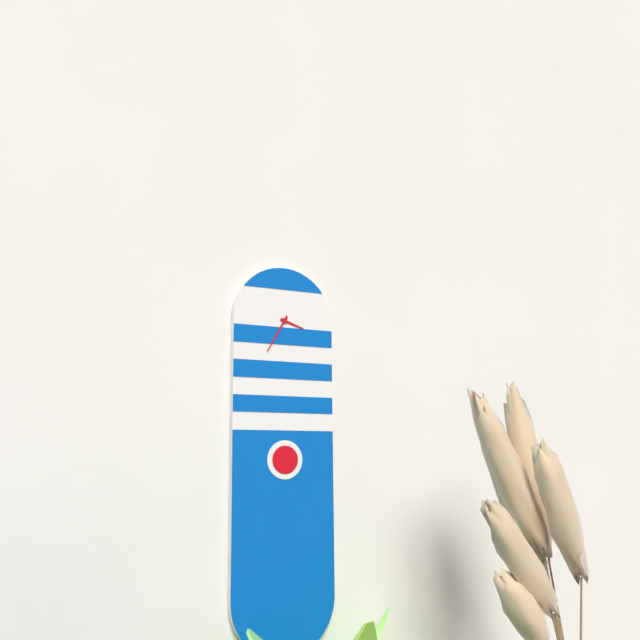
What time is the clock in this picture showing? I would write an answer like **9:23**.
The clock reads **3:35**
